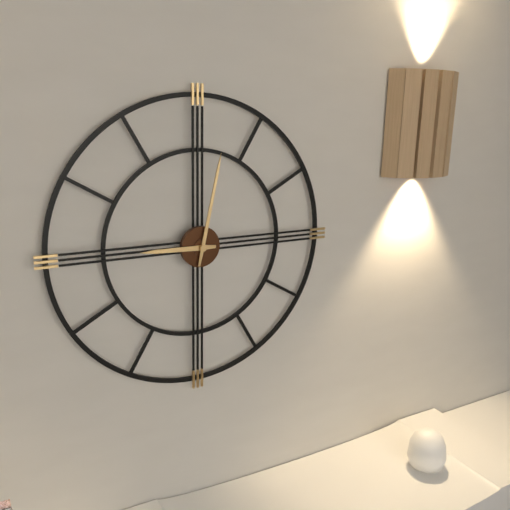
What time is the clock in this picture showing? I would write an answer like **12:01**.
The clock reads **9:02**
